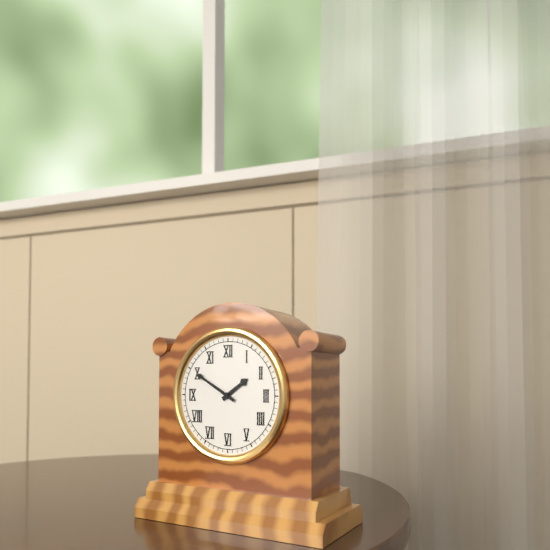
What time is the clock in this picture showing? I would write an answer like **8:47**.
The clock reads **1:50**
